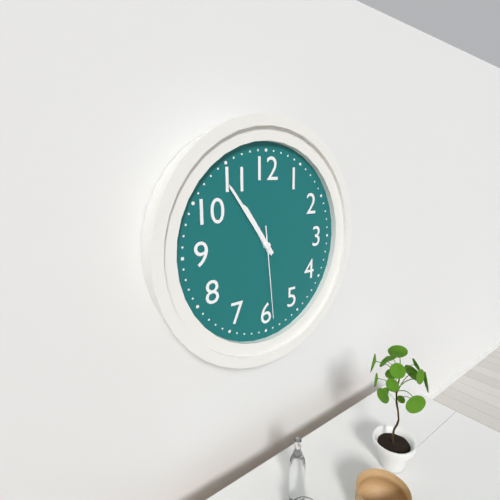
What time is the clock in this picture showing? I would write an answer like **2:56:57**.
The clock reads **10:54:29**
